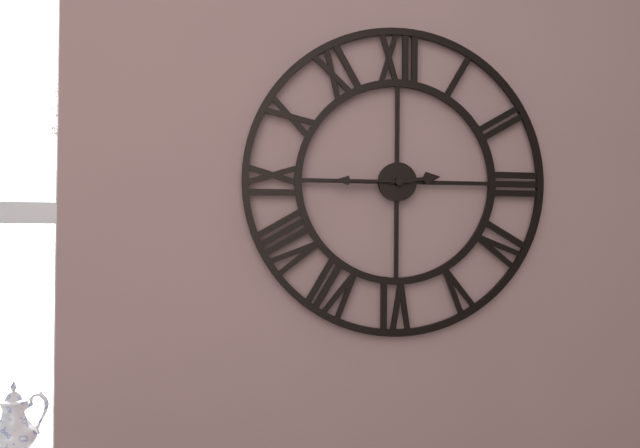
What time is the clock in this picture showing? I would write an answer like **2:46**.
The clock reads **2:45**
